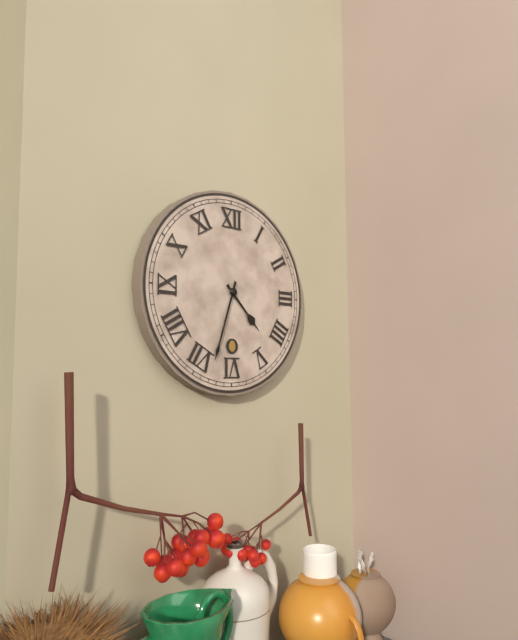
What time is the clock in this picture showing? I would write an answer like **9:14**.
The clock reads **4:33**
